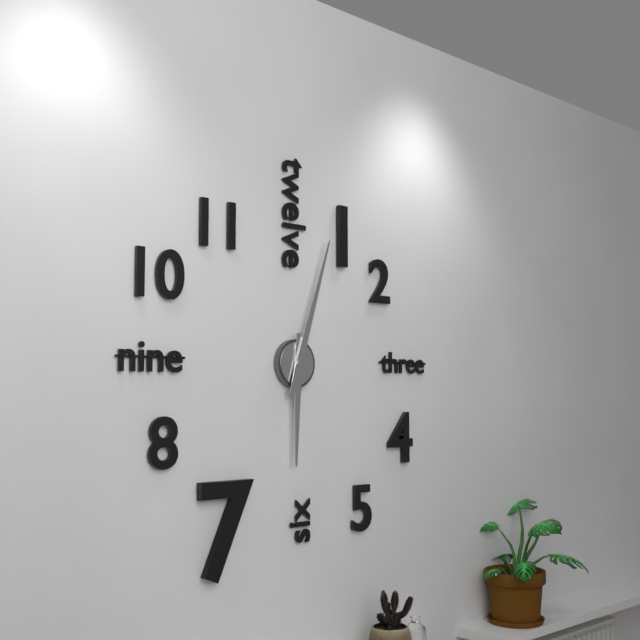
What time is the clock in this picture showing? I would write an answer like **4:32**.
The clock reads **6:03**
